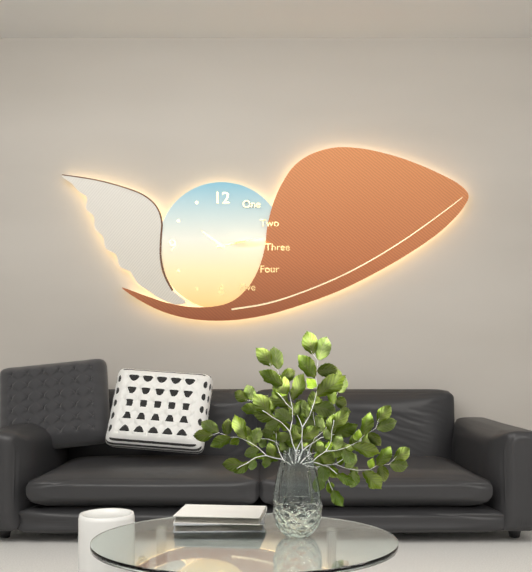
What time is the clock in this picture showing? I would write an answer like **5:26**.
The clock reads **10:13**
